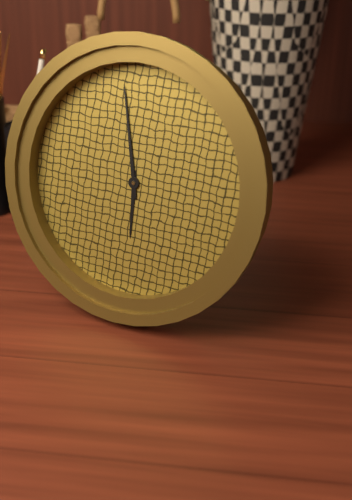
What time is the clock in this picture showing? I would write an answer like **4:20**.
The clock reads **5:58**
